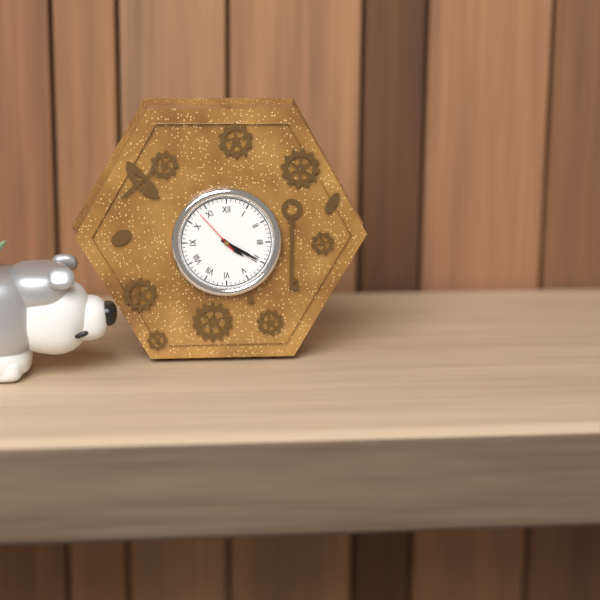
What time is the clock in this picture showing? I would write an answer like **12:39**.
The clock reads **4:20**
